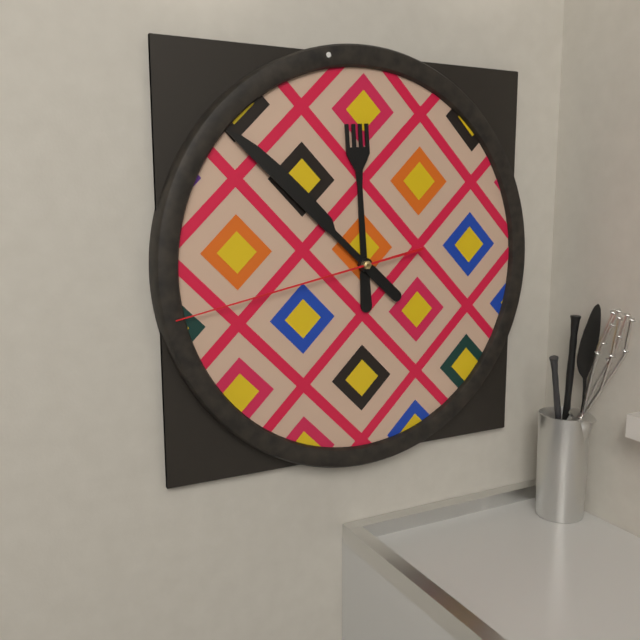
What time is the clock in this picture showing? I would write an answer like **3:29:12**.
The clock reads **11:52:43**
